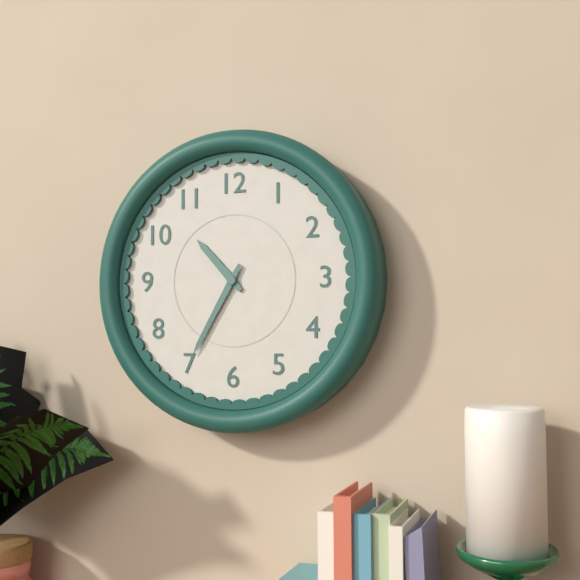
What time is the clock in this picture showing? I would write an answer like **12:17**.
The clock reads **10:35**
